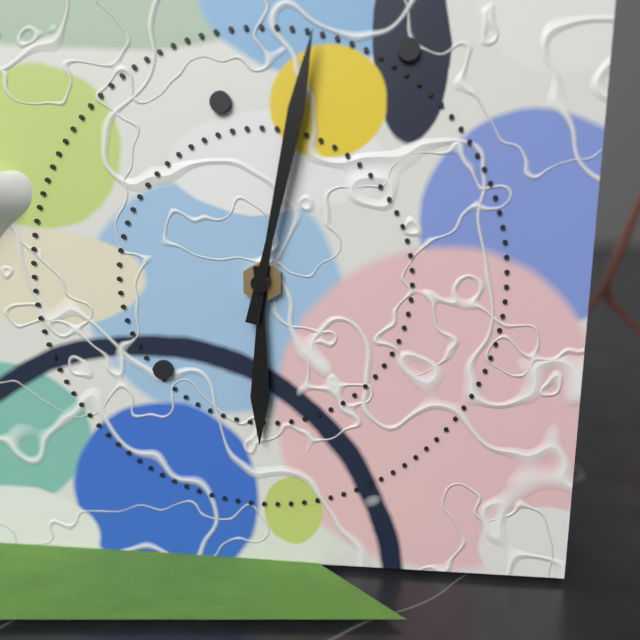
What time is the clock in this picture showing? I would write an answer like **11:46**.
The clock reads **6:02**
